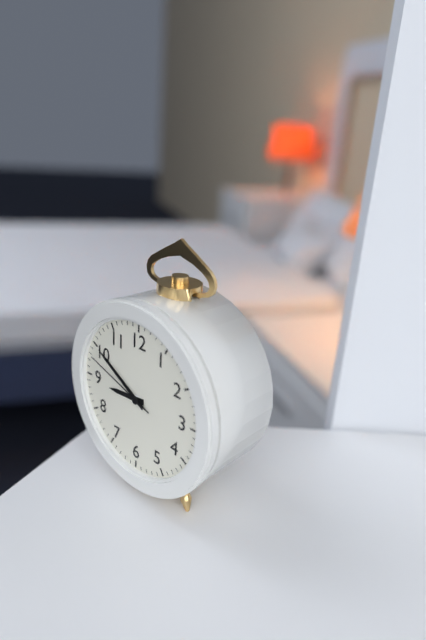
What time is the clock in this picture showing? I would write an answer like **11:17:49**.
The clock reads **8:50:48**
